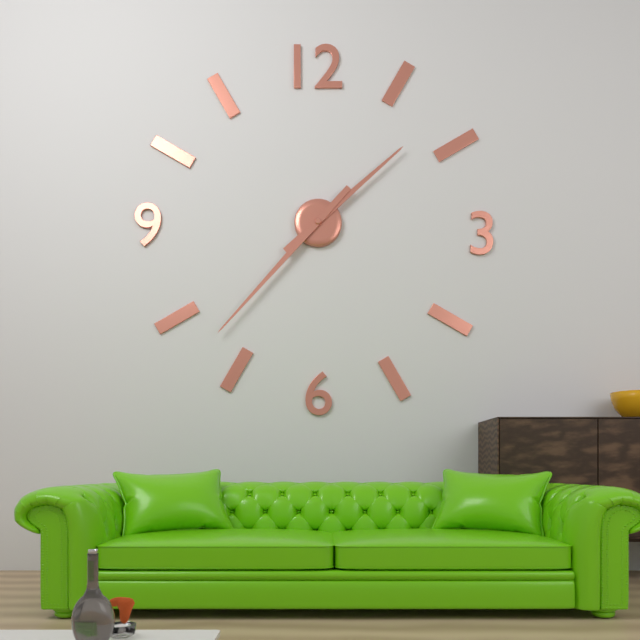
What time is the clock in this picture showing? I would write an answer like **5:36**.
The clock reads **1:37**
